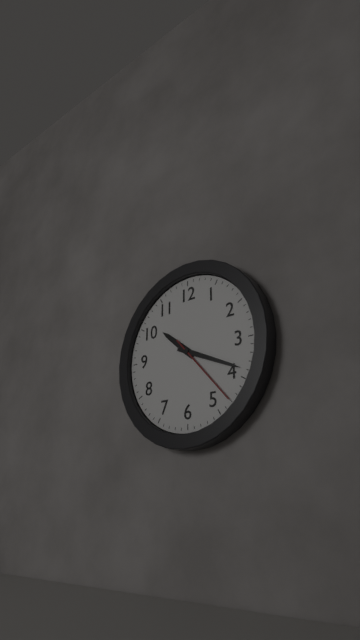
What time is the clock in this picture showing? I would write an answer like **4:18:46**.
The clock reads **10:19:23**
